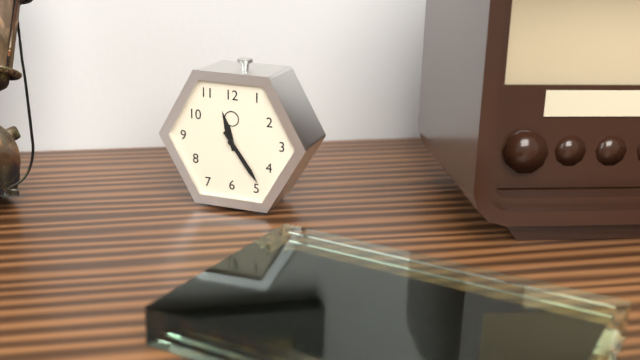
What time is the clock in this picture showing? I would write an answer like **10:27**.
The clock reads **11:24**
